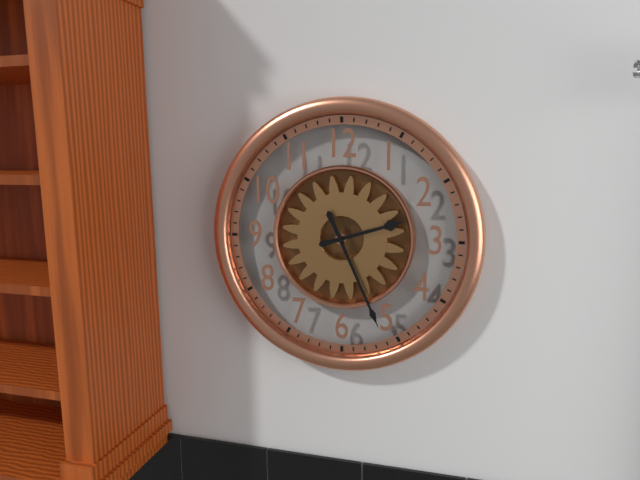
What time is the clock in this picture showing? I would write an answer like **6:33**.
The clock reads **2:26**
